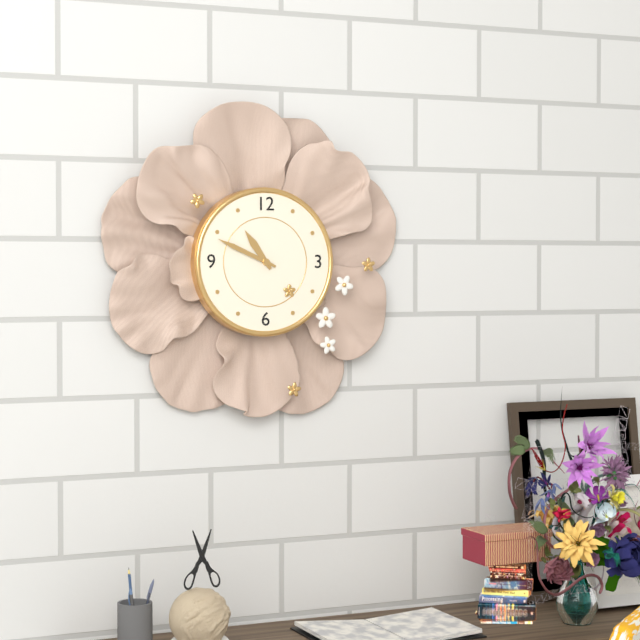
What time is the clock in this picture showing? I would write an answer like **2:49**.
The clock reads **10:49**
